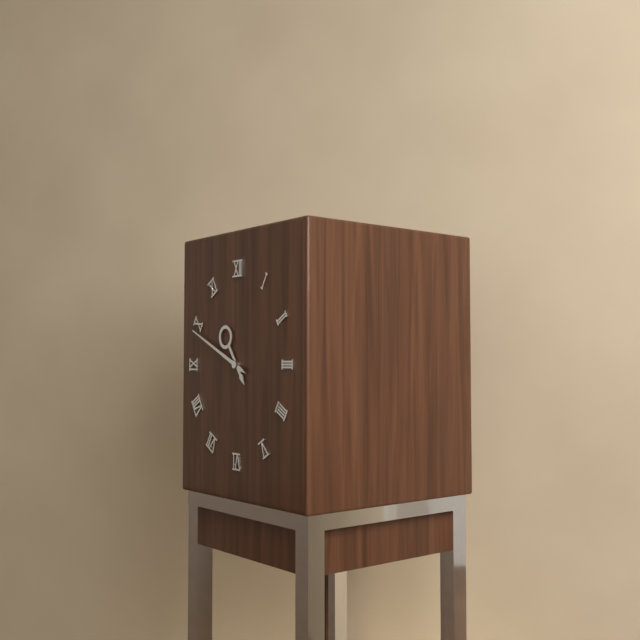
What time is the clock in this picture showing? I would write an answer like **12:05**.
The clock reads **10:49**
